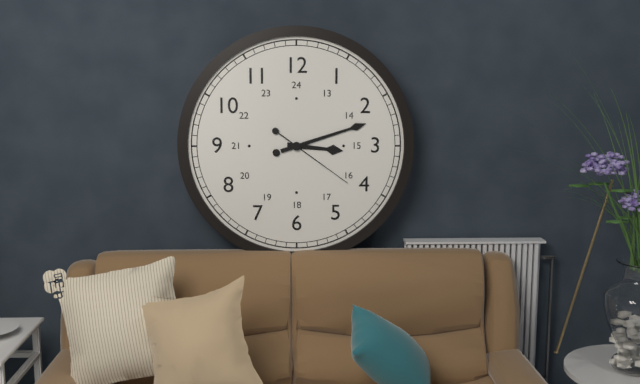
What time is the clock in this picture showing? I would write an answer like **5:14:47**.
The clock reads **3:12:21**
